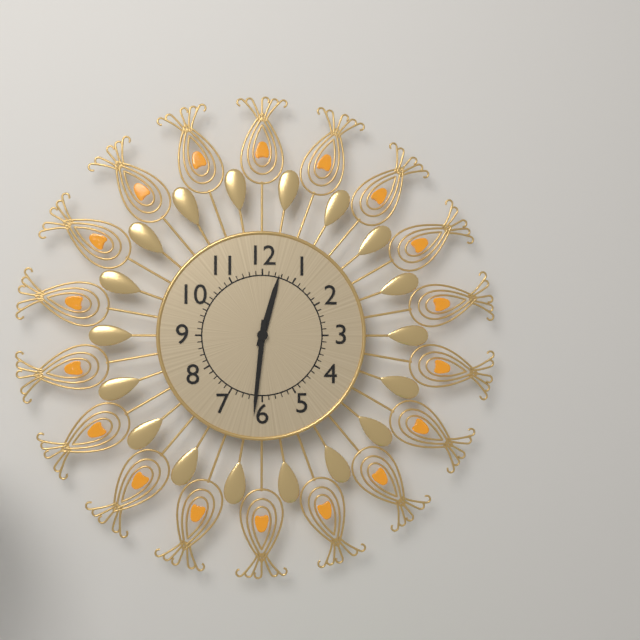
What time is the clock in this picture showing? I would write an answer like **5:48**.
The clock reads **12:31**
